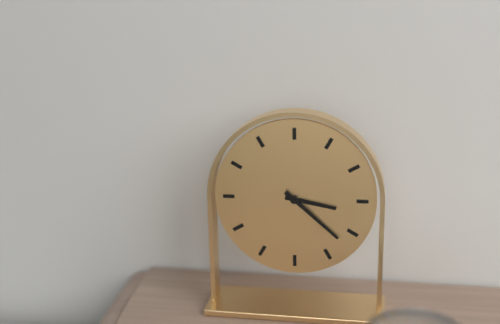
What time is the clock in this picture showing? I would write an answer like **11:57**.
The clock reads **3:22**
